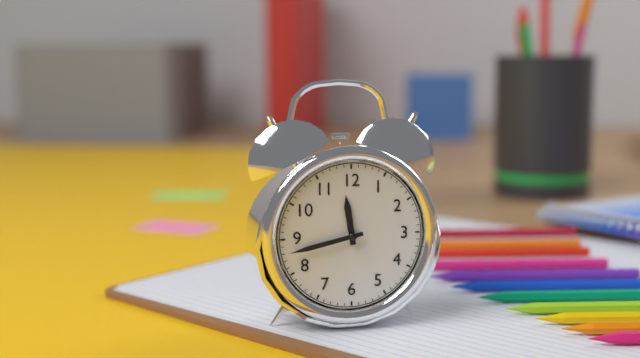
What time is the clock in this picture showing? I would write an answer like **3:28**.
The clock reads **11:43**
